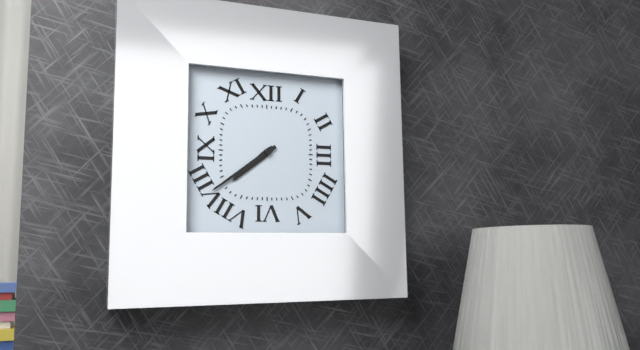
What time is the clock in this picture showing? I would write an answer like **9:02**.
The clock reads **7:39**
